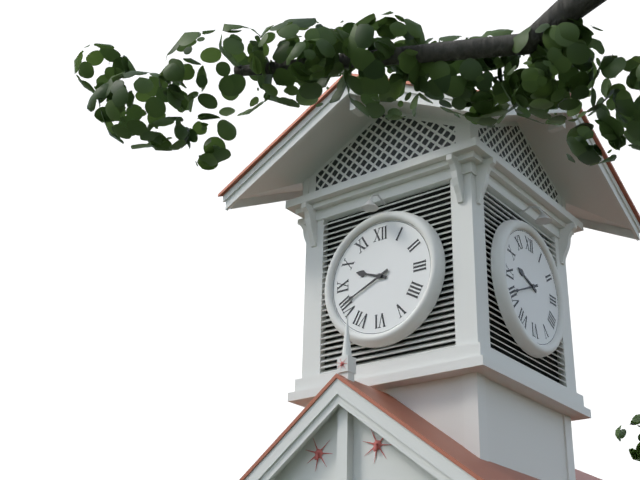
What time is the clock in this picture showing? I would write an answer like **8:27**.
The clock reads **9:41**
